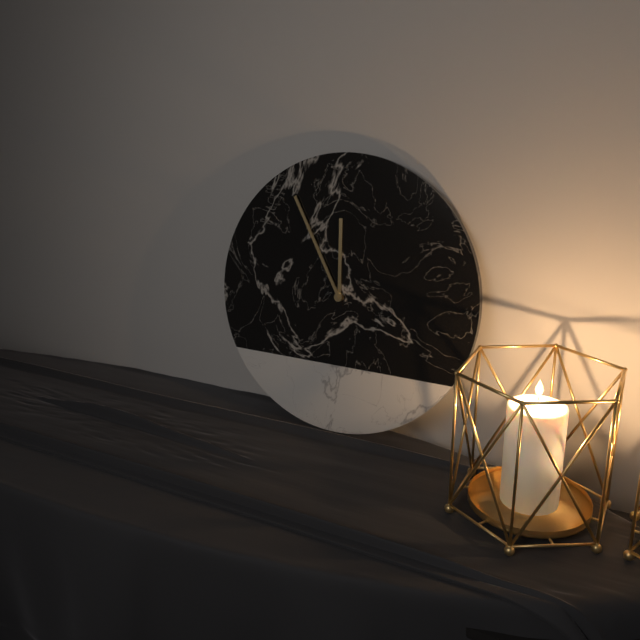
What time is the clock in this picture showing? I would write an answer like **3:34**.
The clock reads **11:55**
